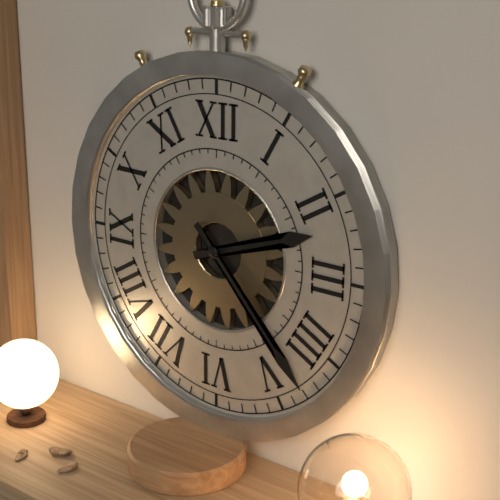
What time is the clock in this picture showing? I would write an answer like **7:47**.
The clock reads **2:23**
